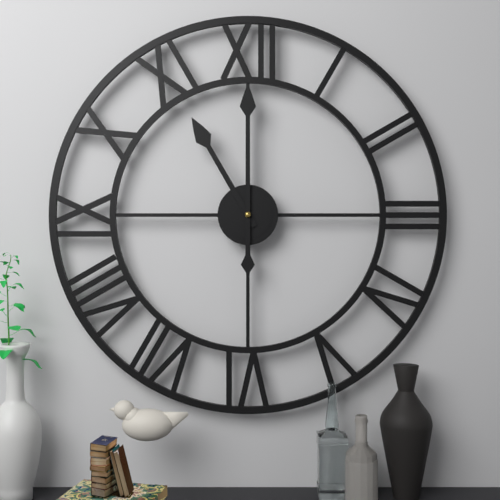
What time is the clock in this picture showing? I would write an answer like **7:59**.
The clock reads **11:00**
